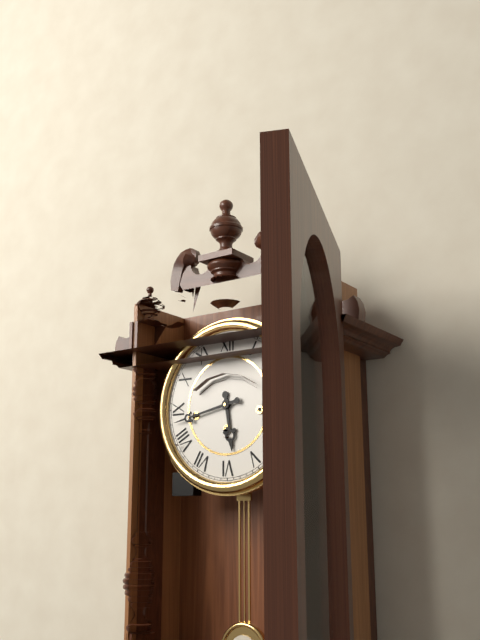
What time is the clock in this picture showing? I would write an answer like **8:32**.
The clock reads **5:43**
